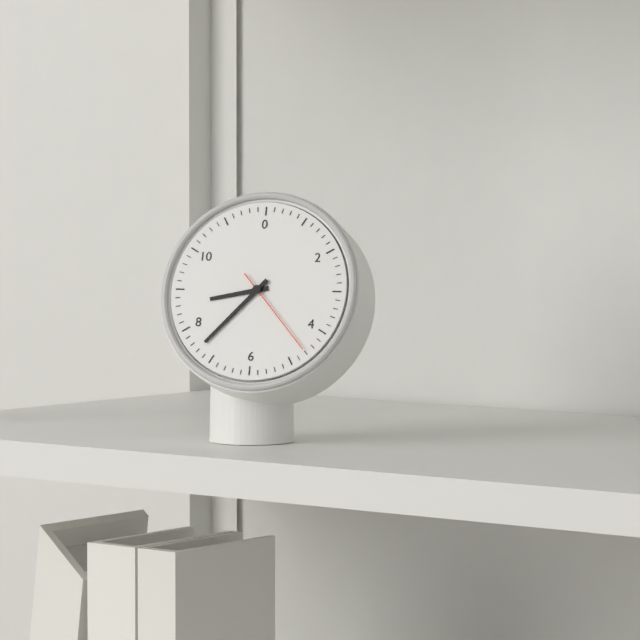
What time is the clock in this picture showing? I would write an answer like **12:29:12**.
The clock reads **8:37:23**
